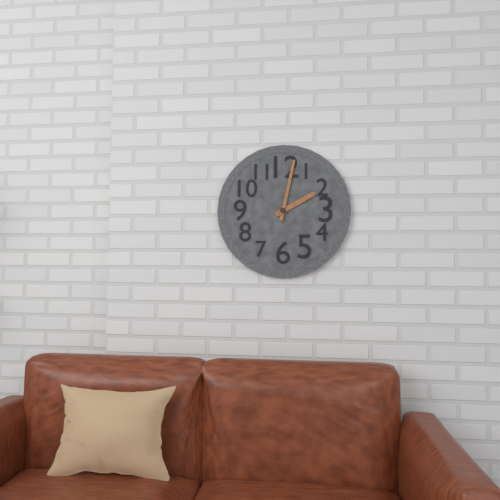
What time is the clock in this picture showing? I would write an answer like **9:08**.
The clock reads **2:02**
